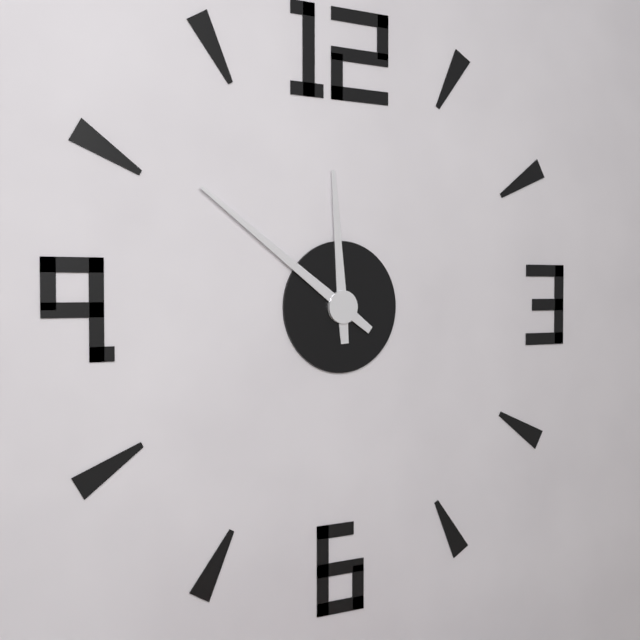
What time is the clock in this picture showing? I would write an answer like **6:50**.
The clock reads **11:51**
